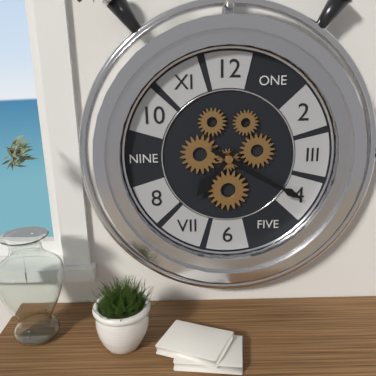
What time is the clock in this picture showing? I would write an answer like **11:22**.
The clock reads **7:20**
